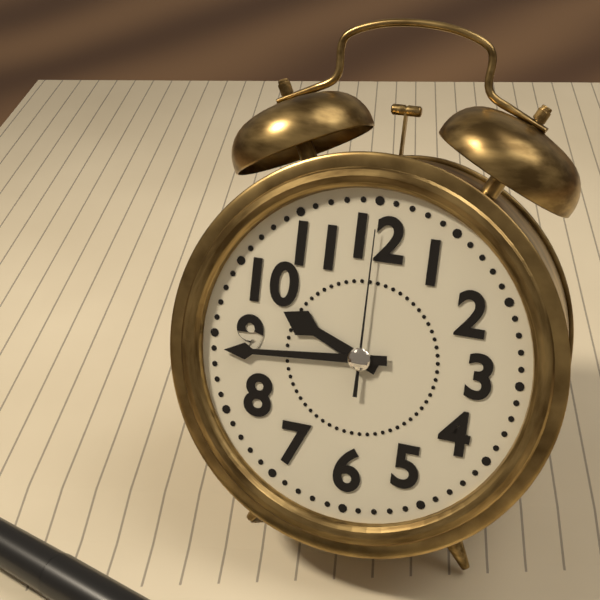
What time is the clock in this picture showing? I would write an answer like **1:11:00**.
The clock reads **9:44:00**
